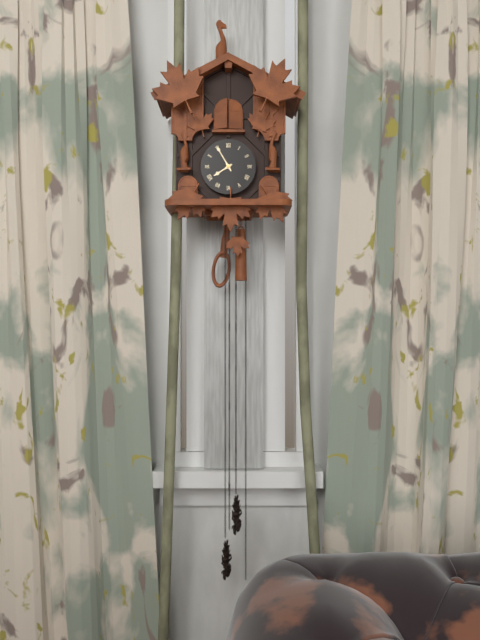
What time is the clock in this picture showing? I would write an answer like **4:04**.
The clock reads **7:55**
